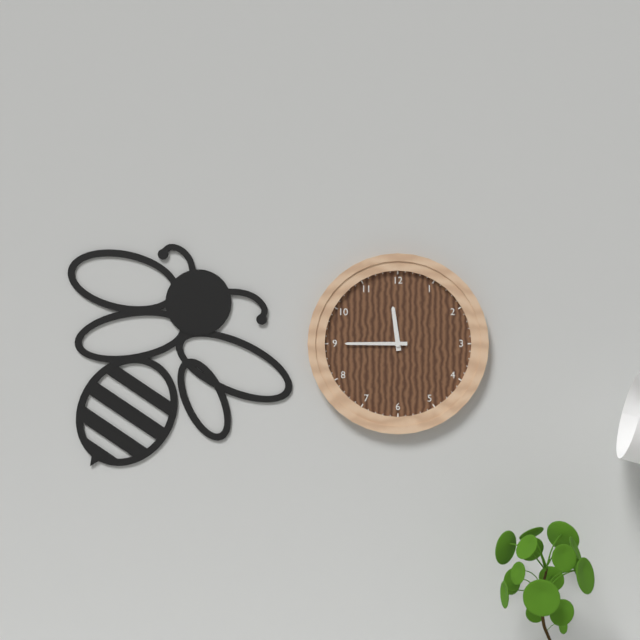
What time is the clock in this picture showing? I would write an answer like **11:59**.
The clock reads **11:45**
